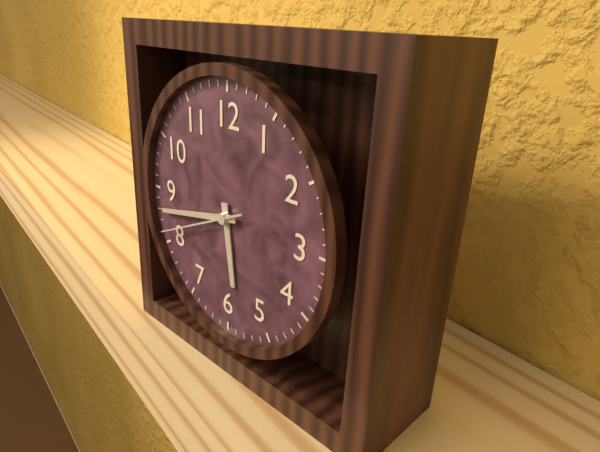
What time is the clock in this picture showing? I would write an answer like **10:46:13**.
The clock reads **5:43:41**
